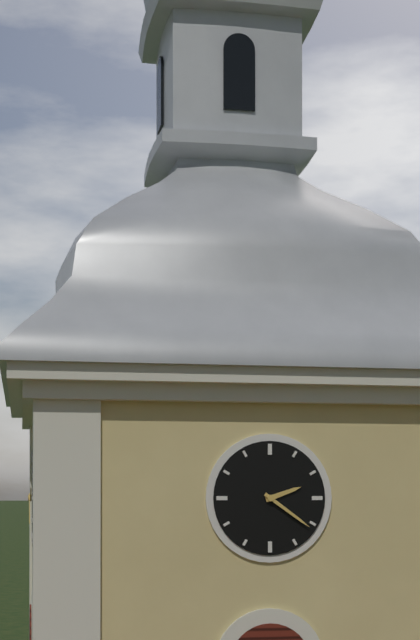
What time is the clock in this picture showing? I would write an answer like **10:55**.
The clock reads **2:21**
